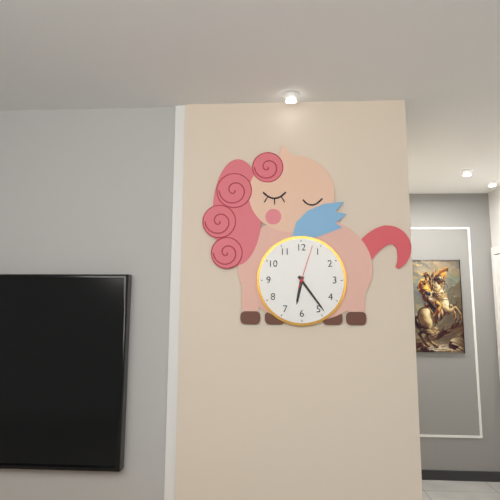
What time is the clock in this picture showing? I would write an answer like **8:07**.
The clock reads **6:24**
